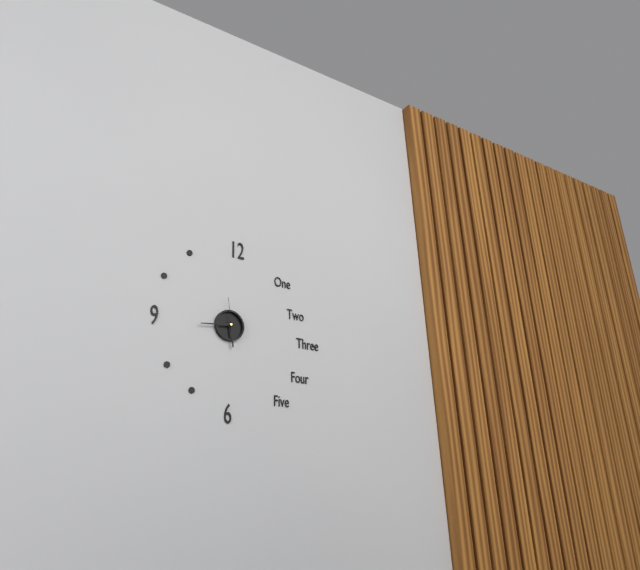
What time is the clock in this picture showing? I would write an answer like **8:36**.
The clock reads **5:44**
